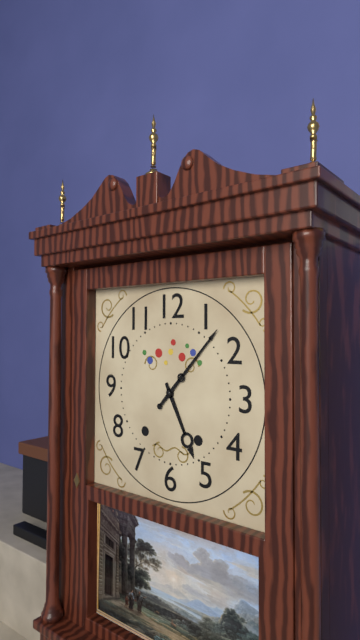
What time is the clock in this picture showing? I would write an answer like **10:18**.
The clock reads **5:07**
